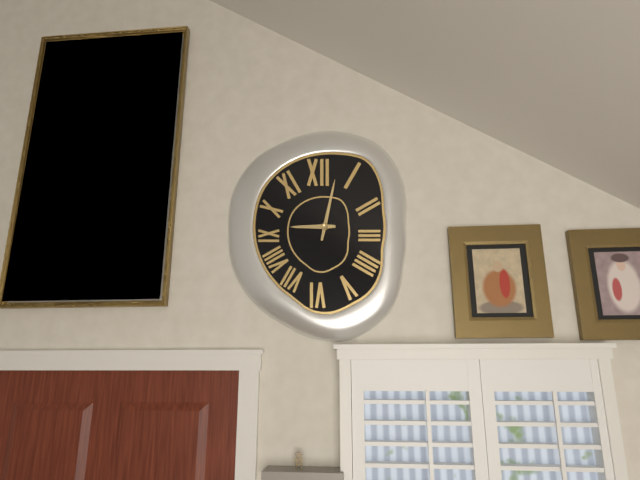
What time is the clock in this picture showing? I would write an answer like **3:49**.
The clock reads **9:02**
